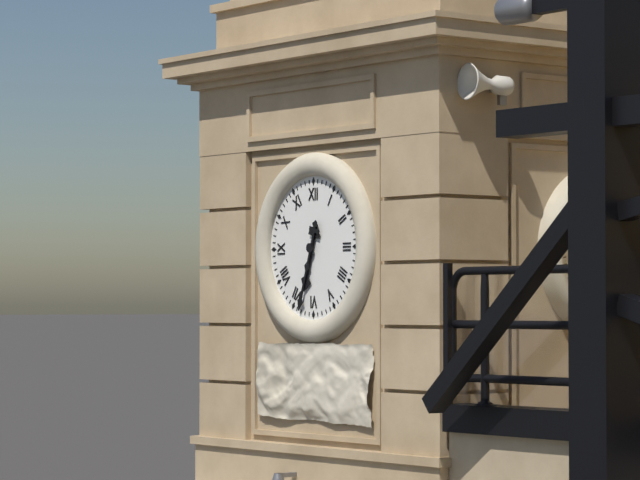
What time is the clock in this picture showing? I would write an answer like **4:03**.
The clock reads **6:33**
